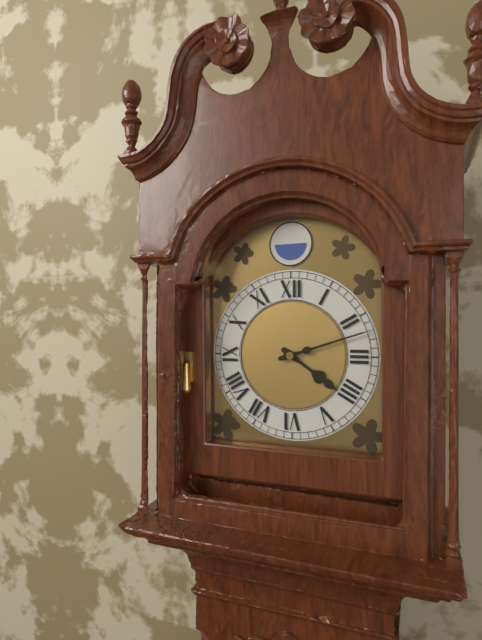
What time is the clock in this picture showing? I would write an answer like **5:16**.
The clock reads **4:12**
